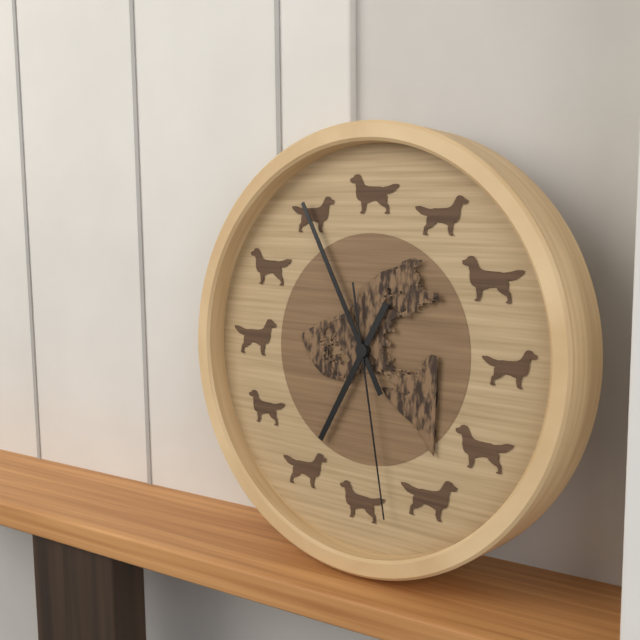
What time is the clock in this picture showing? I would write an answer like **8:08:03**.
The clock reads **6:55:28**
